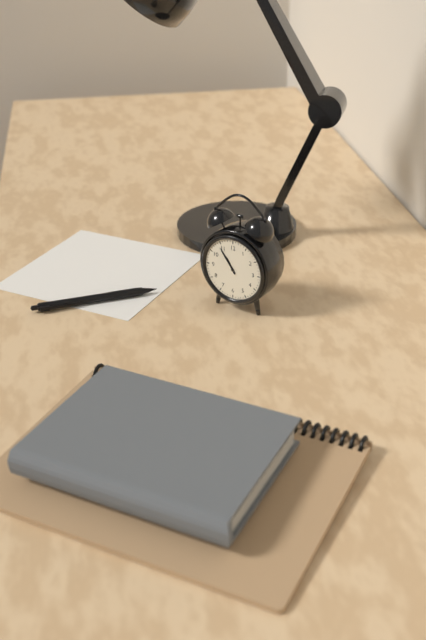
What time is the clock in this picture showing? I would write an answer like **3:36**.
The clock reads **10:54**
